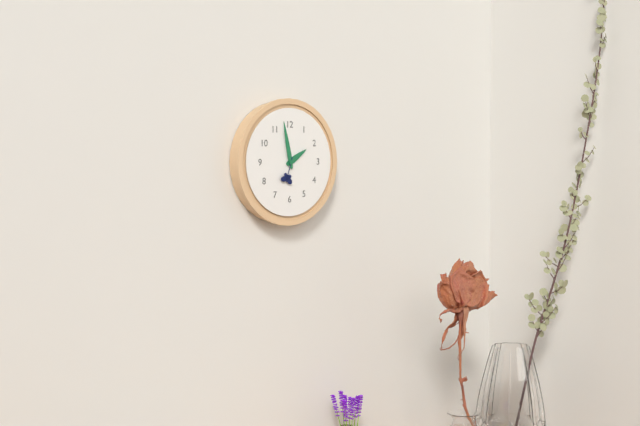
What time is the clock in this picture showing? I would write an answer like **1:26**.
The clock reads **1:58**
